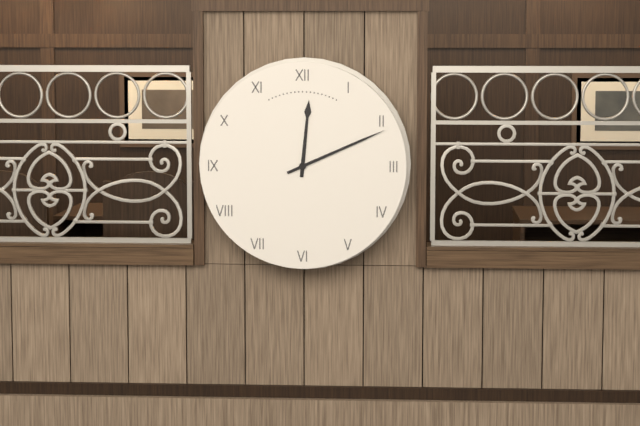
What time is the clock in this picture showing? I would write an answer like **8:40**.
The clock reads **12:11**
